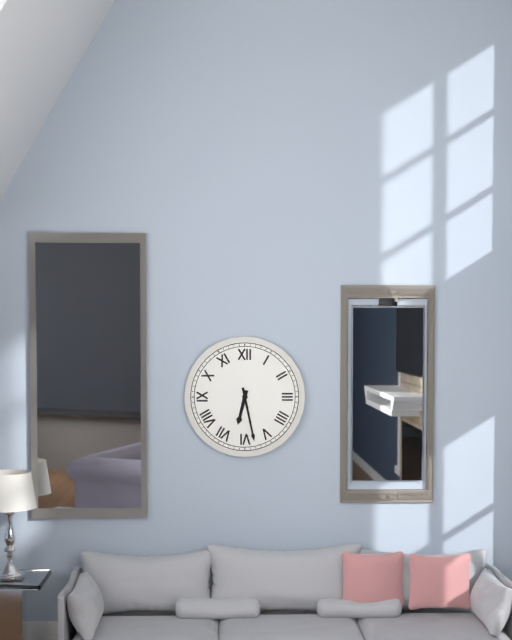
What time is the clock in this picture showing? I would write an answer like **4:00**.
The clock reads **6:28**
